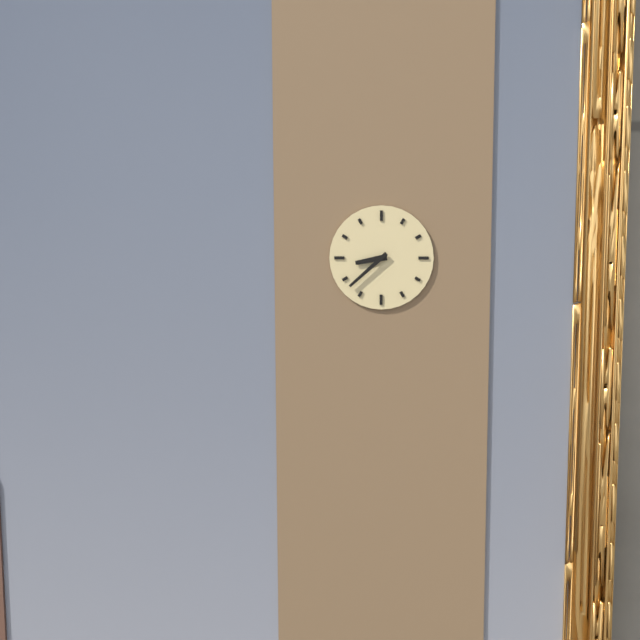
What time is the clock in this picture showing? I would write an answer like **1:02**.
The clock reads **8:38**
